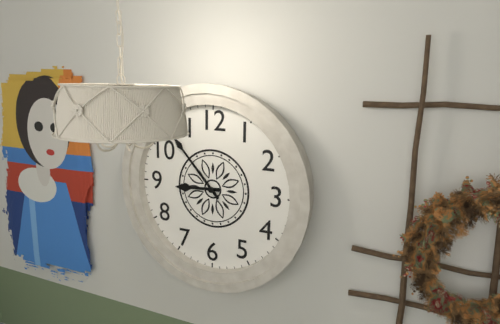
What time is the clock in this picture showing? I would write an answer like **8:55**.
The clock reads **8:53**
